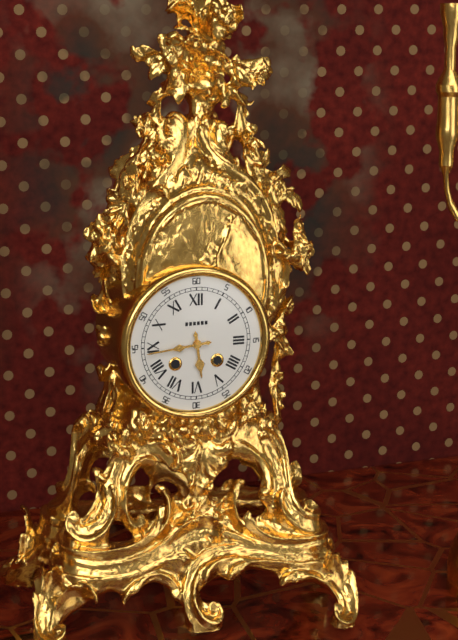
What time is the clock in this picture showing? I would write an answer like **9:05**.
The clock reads **5:44**
